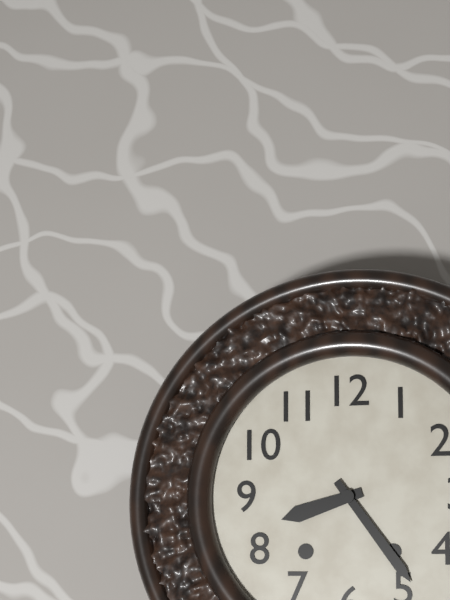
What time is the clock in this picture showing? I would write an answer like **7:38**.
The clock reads **8:24**
